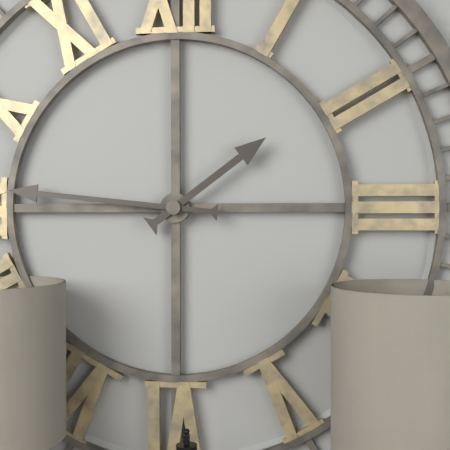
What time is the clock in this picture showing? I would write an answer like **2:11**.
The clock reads **1:46**
